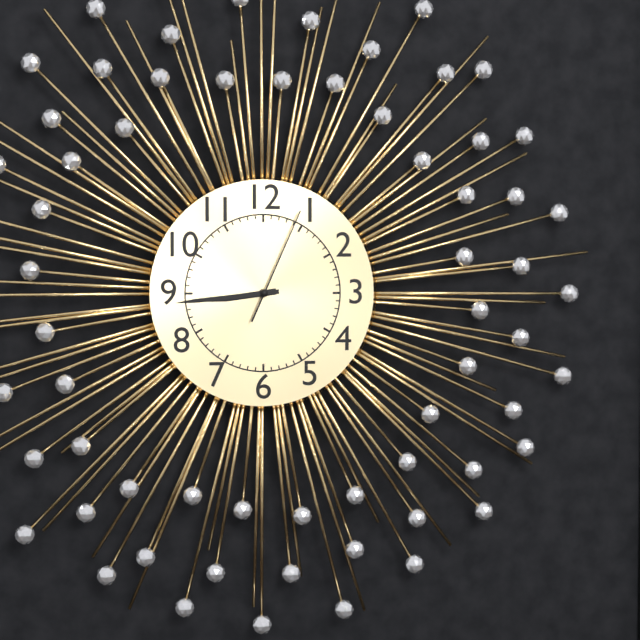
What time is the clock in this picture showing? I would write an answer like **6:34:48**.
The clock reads **8:44:04**
